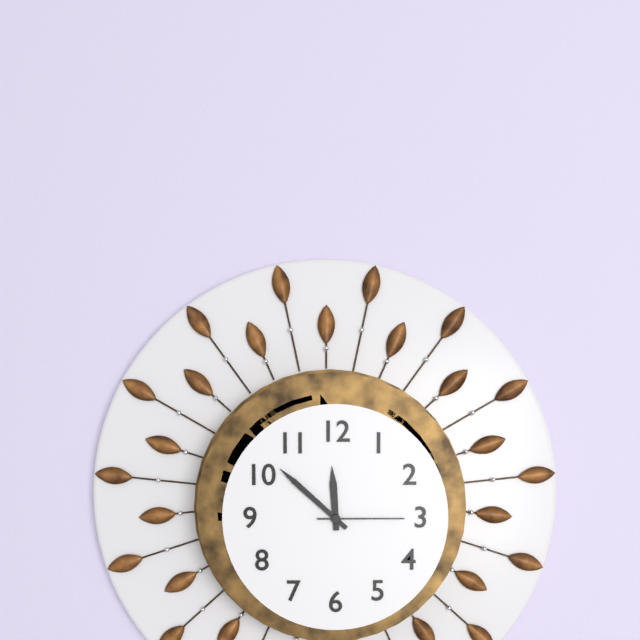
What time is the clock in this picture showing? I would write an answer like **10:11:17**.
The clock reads **11:52:15**
